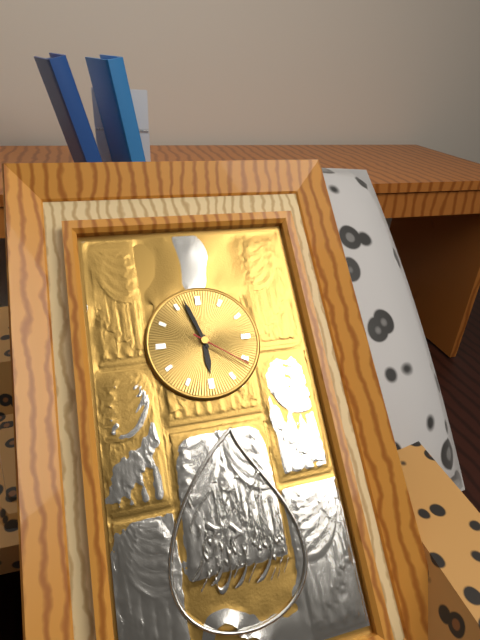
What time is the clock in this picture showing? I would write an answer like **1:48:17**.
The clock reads **5:57:21**
